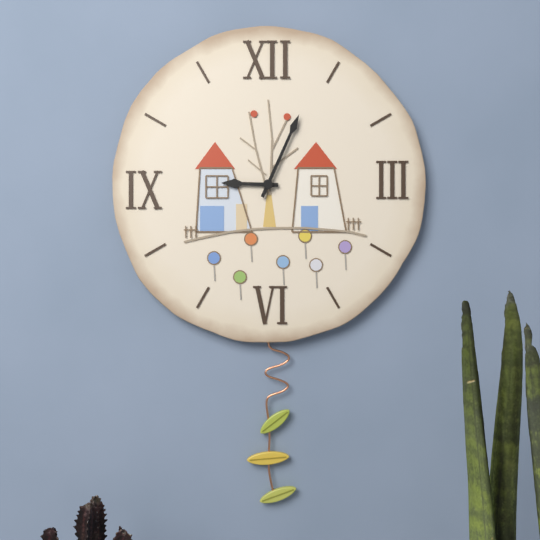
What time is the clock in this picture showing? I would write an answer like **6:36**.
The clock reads **9:04**
